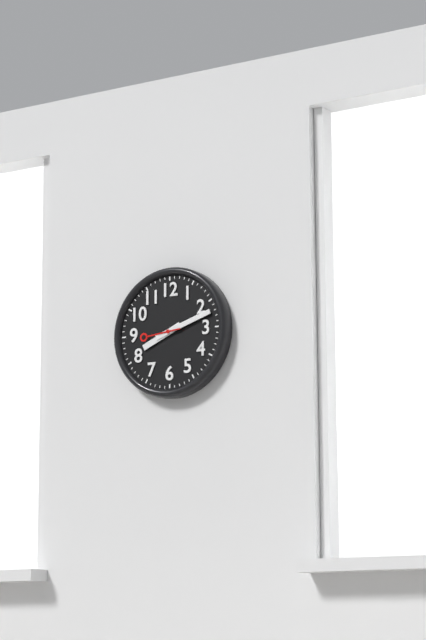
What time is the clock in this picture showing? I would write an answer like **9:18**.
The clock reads **8:12**
